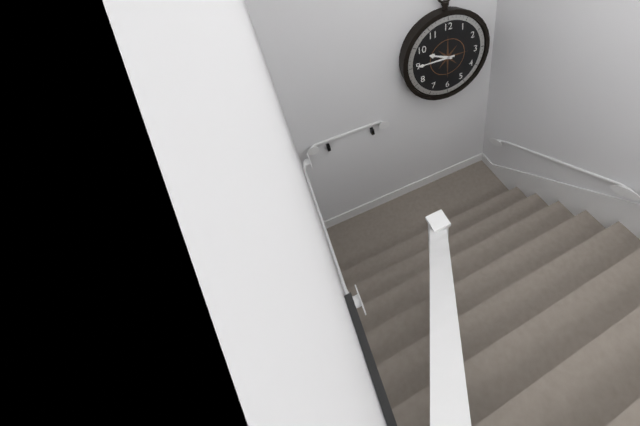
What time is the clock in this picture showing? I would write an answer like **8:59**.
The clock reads **9:45**
